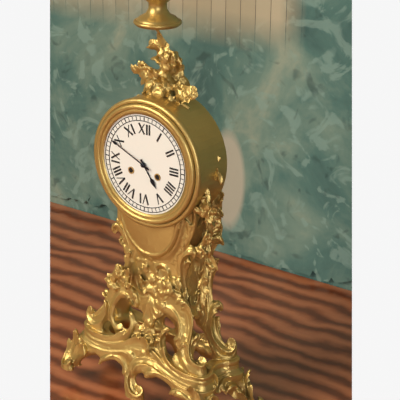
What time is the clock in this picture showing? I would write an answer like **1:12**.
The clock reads **4:49**
